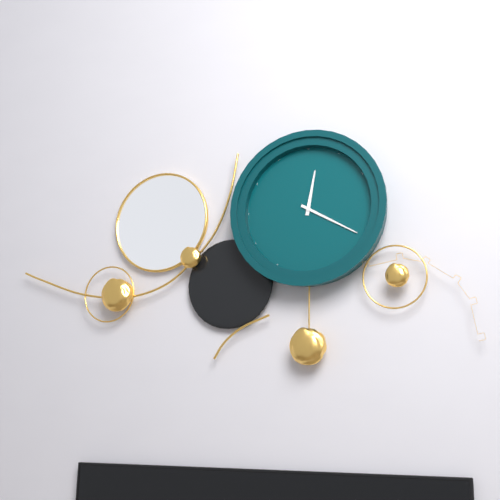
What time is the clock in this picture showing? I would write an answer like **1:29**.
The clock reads **12:20**
